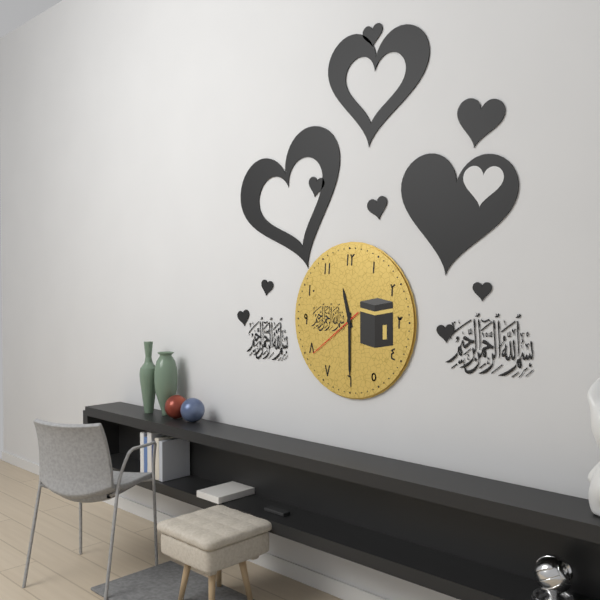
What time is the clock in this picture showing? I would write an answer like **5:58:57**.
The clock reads **11:30:39**
